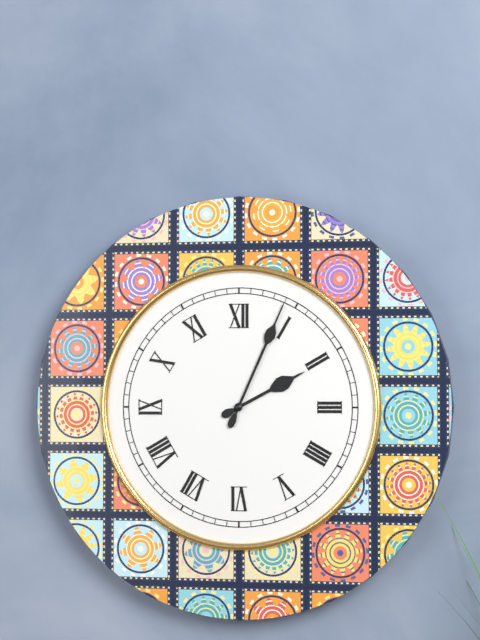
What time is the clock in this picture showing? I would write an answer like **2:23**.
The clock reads **2:04**
